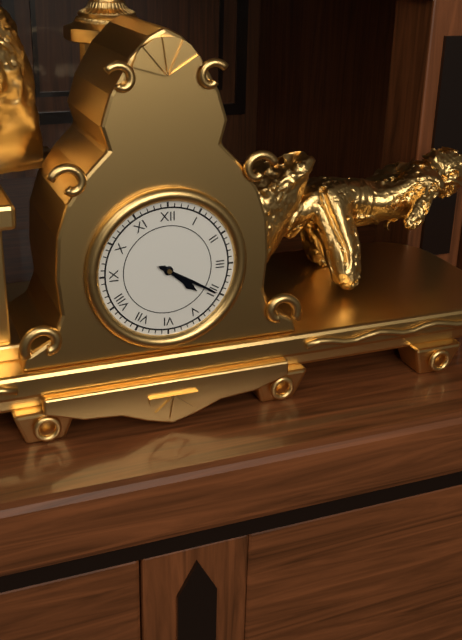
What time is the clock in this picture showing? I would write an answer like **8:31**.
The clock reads **4:20**
